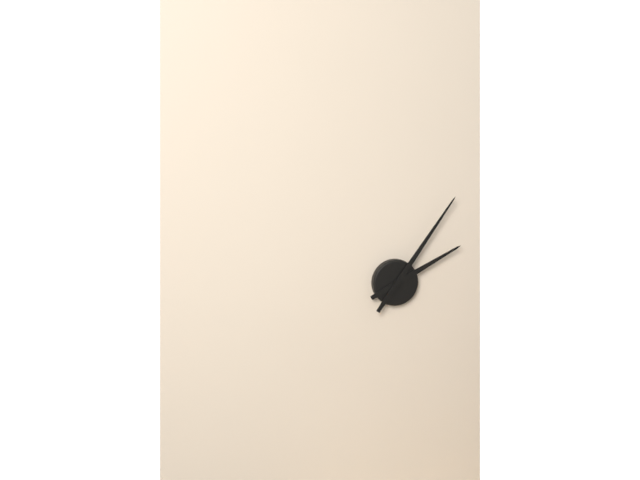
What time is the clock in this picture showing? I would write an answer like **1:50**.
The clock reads **2:06**
